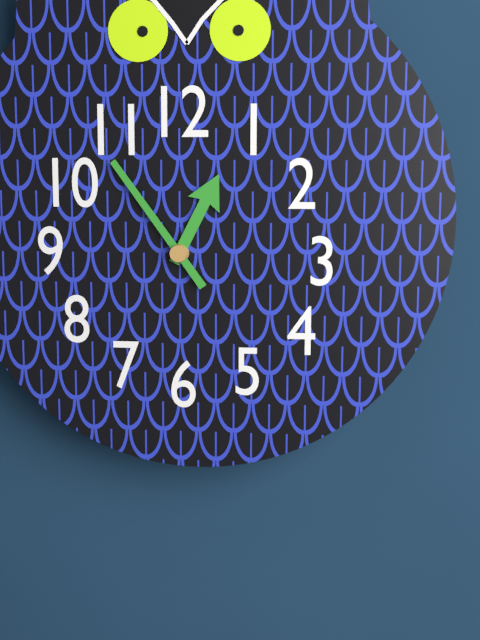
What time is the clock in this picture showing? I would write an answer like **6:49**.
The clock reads **12:54**
